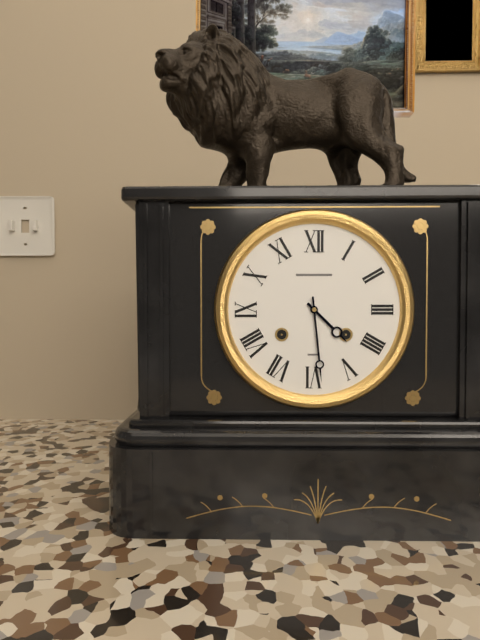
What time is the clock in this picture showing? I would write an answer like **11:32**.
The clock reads **4:29**
